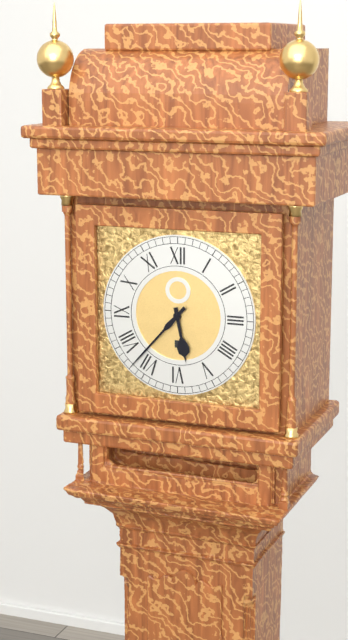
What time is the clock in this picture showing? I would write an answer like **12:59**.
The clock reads **5:37**
